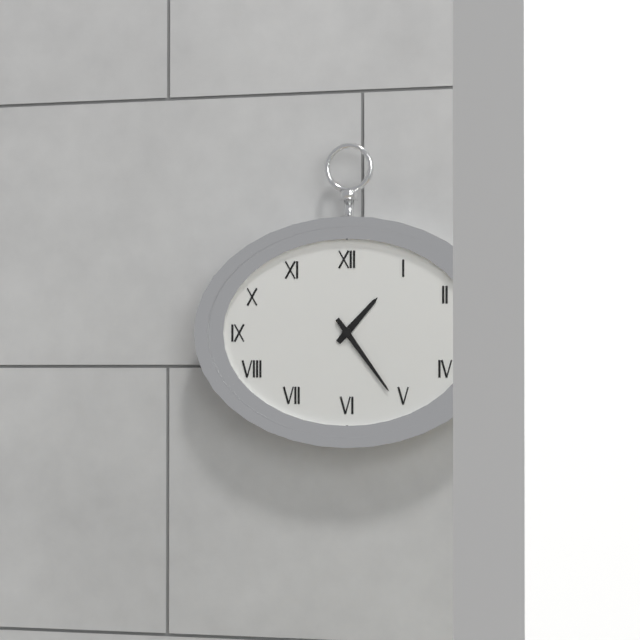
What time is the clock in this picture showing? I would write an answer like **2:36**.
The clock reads **1:24**
